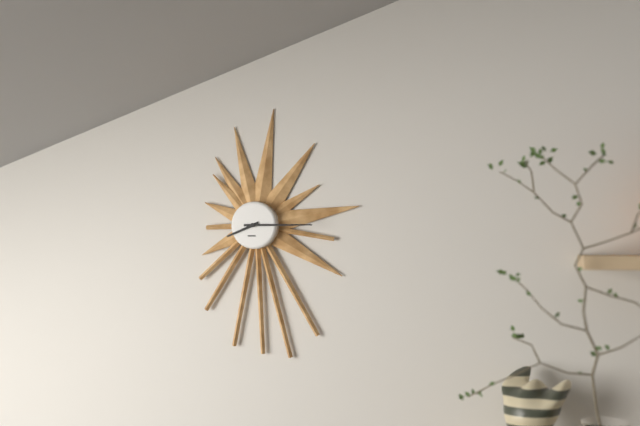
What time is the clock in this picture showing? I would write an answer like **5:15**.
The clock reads **8:15**
